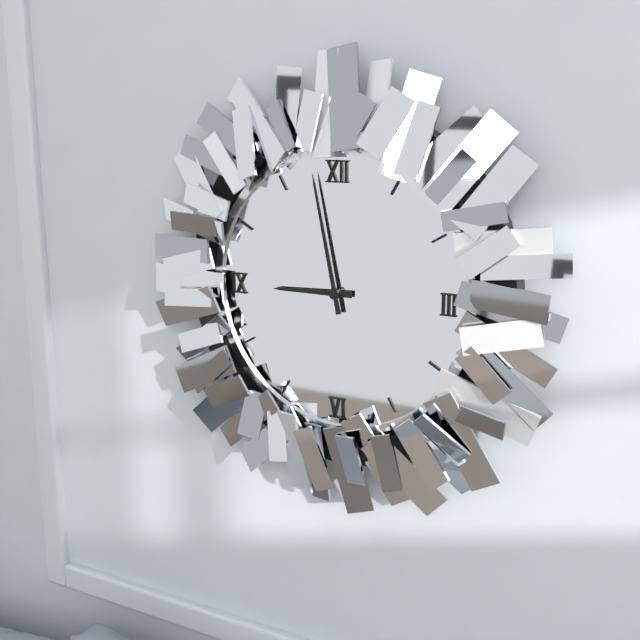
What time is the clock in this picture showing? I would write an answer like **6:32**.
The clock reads **8:58**
